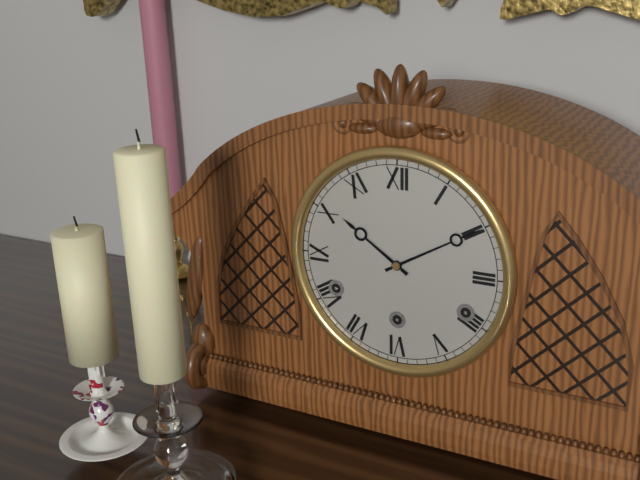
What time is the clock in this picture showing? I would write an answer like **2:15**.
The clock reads **10:10**
